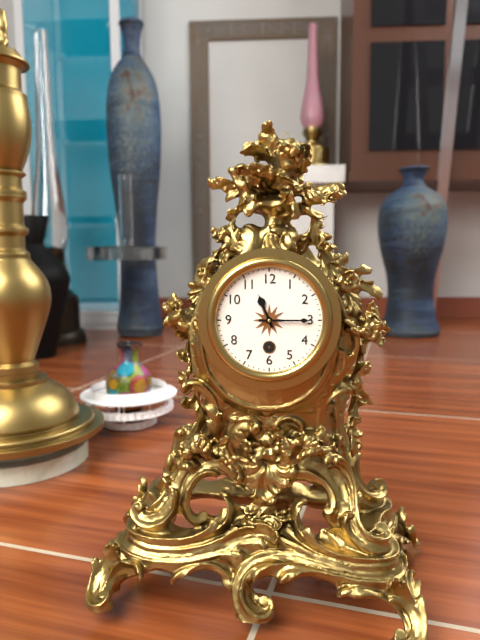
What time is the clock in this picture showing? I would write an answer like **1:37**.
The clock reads **11:15**
